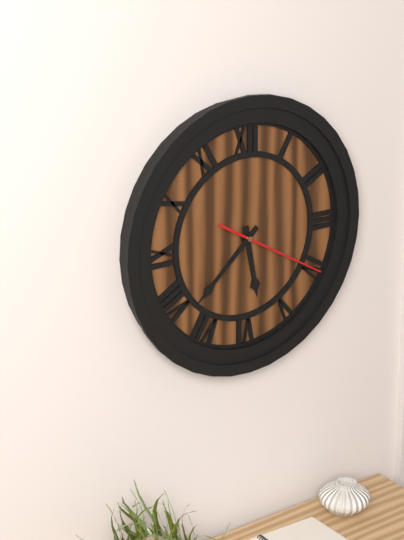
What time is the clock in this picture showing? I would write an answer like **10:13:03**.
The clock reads **5:38:20**
